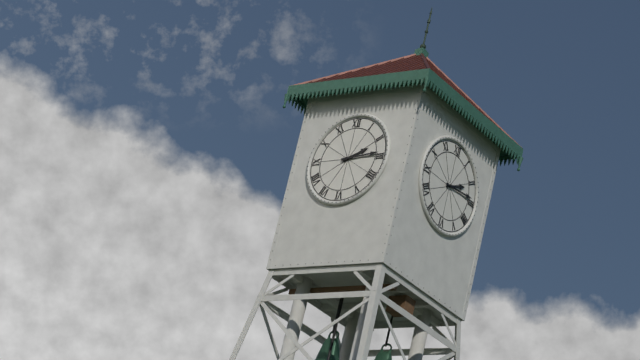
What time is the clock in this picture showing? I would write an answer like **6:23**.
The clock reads **2:14**
